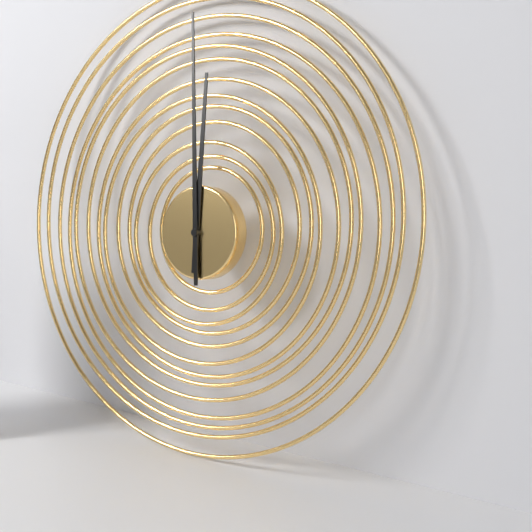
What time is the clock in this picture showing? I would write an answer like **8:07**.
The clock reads **11:59**
